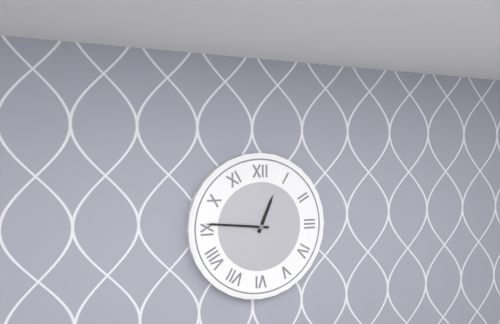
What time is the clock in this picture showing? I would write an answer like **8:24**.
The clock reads **12:46**
